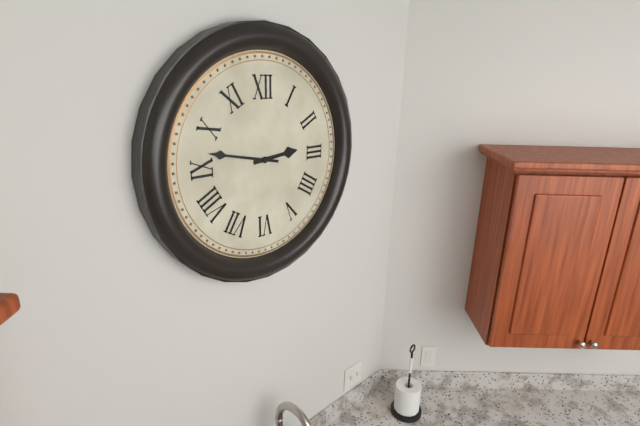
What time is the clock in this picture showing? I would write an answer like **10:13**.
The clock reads **2:47**
